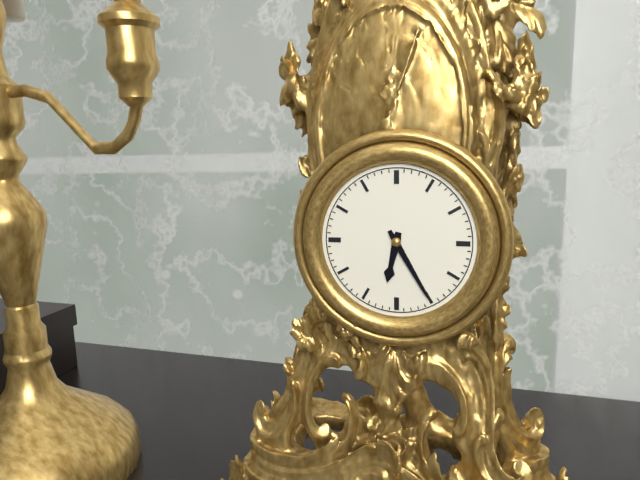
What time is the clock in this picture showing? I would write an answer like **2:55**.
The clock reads **6:25**
